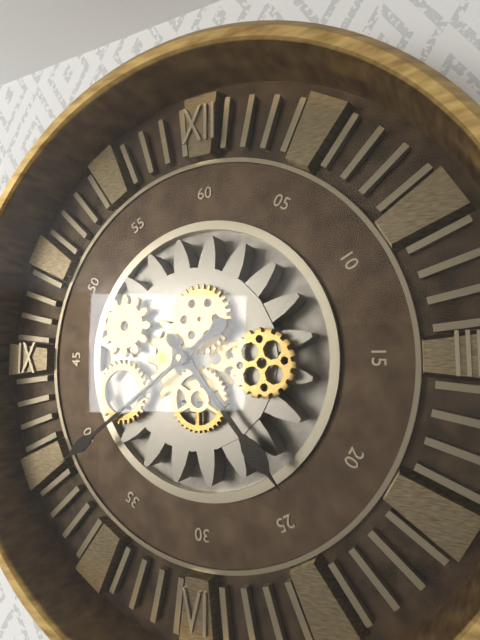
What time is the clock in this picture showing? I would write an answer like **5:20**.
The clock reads **4:39**
